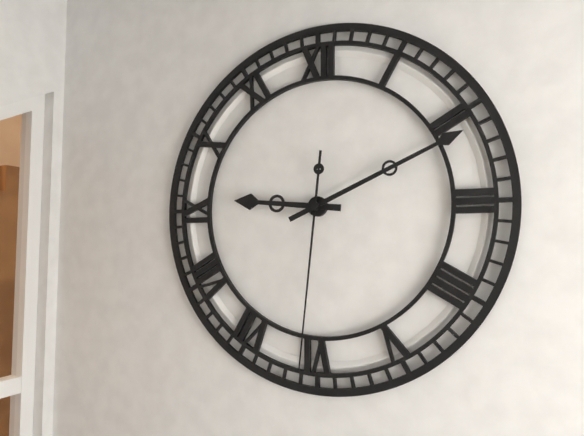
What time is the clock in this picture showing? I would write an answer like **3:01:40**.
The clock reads **9:11:31**
